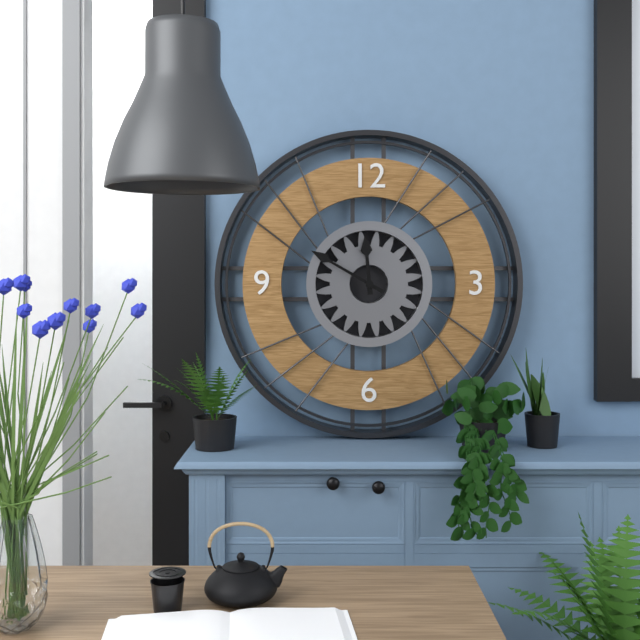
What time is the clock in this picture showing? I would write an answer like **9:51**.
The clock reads **11:50**
